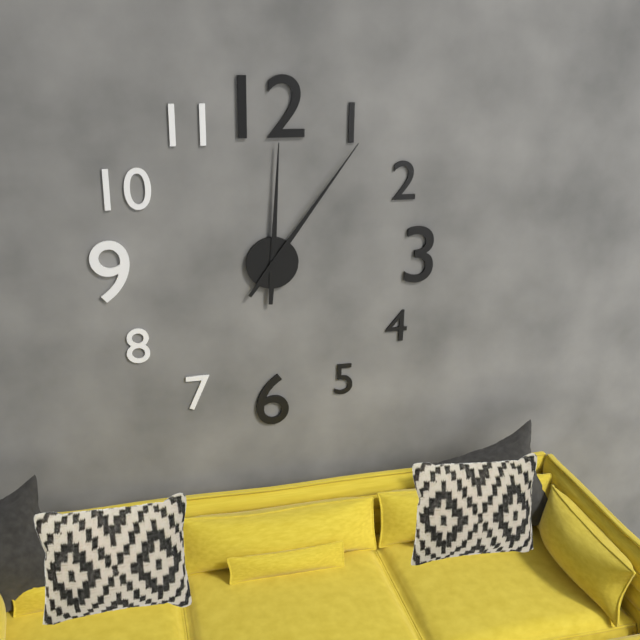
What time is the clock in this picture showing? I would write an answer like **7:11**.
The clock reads **12:06**
